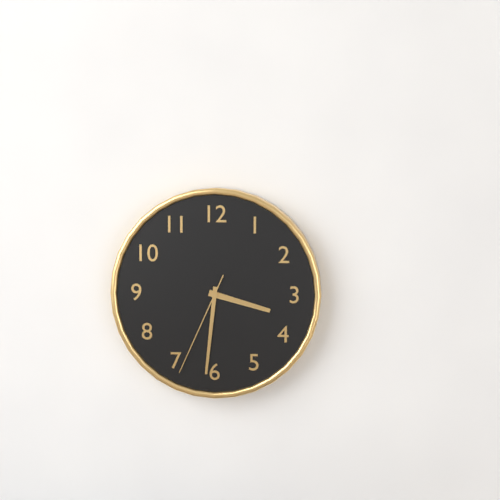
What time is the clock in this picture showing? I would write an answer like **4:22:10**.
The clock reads **3:31:34**
